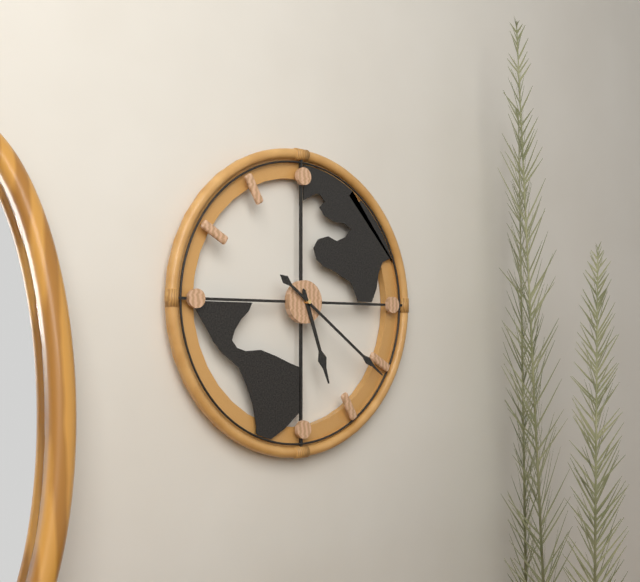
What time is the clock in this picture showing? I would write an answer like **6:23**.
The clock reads **5:21**
